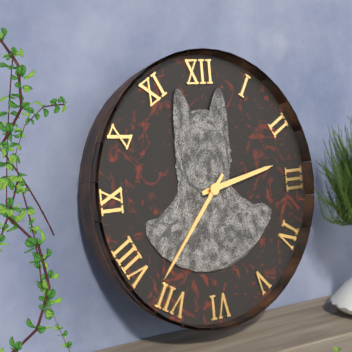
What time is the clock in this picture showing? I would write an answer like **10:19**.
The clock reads **2:37**
